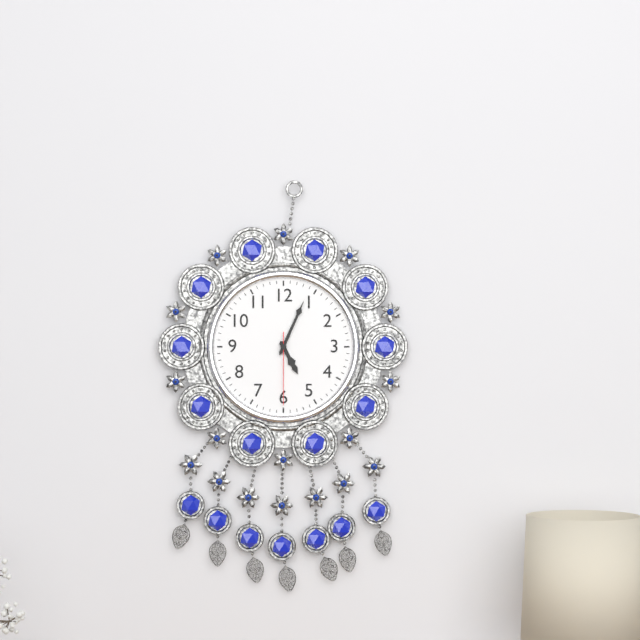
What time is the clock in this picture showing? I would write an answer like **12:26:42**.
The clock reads **5:04:30**
